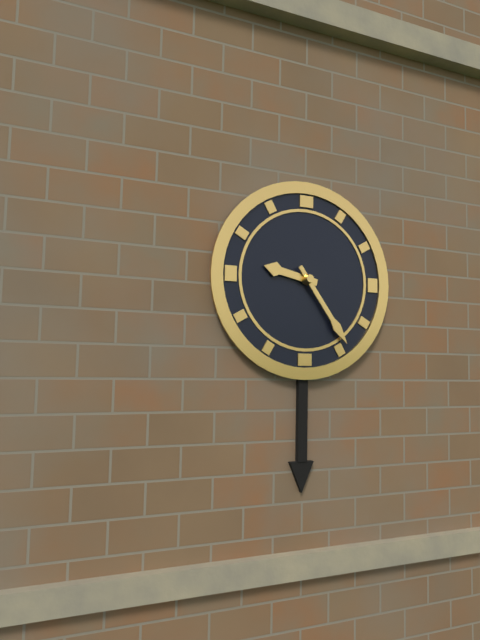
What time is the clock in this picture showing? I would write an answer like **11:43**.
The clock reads **9:24**
